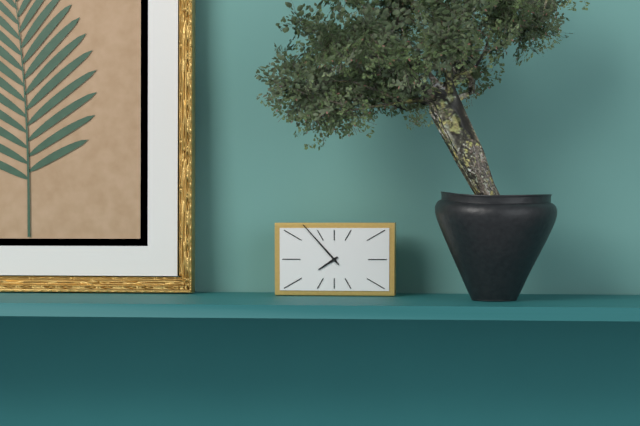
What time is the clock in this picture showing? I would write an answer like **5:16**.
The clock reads **7:53**
